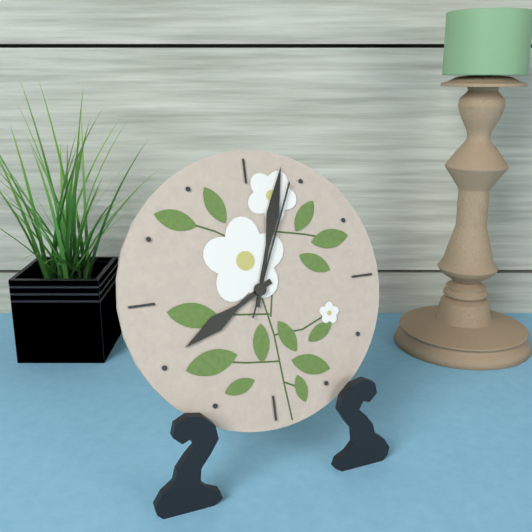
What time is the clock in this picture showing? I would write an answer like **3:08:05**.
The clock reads **8:03:04**
